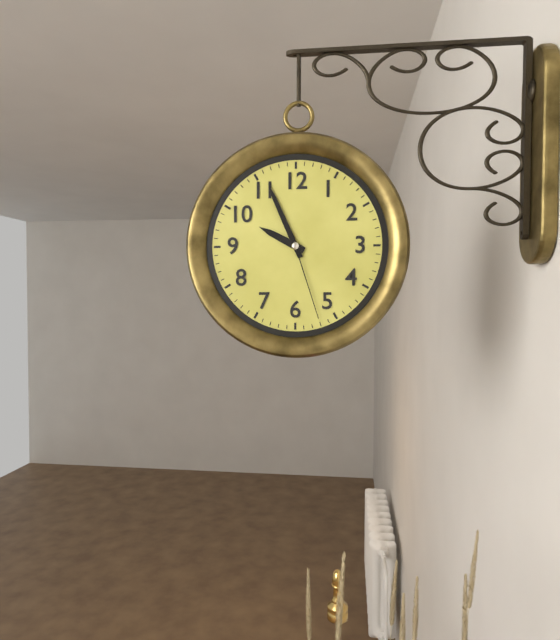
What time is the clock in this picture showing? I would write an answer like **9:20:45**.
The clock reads **9:56:27**
